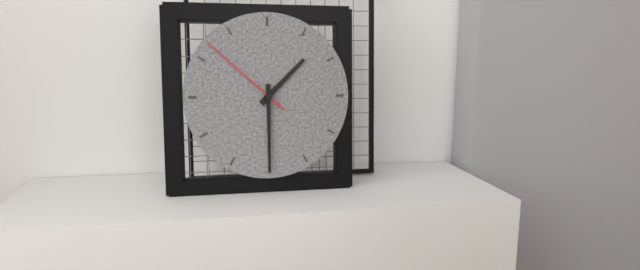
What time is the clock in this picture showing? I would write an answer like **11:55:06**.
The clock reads **1:30:52**
